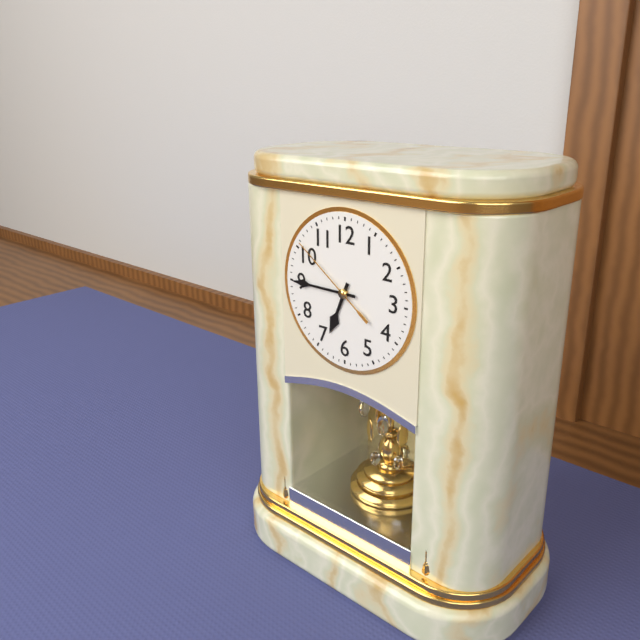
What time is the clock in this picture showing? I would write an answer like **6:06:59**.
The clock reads **6:45:51**
